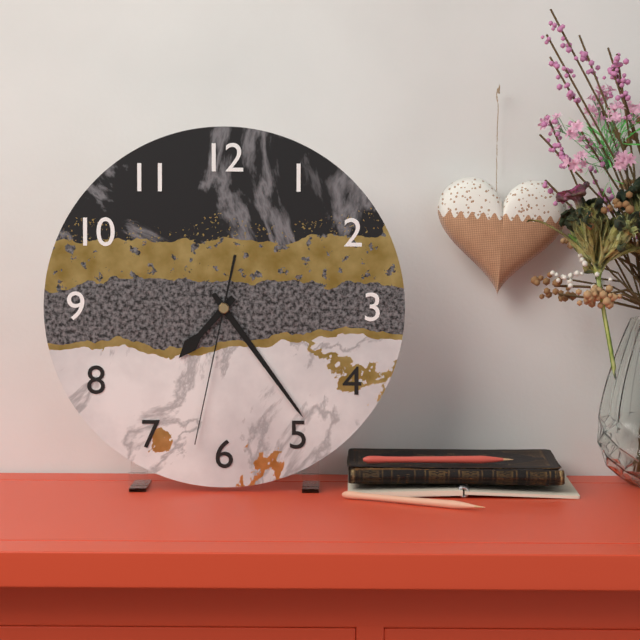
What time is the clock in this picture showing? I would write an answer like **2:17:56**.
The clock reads **7:24:32**
